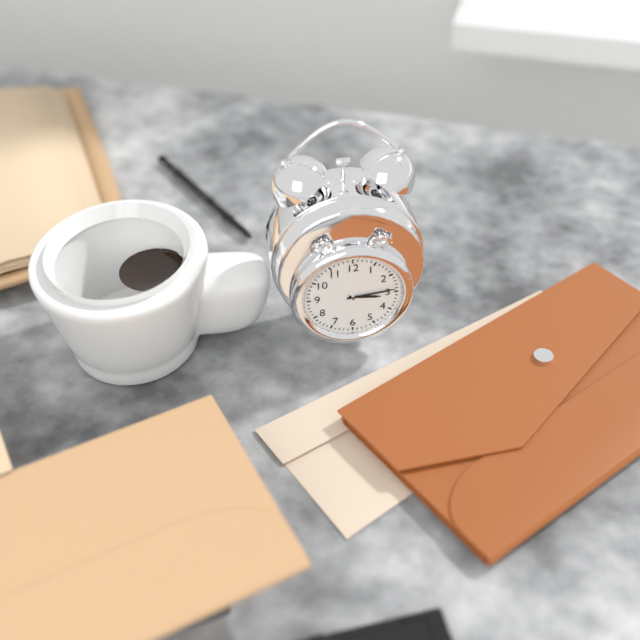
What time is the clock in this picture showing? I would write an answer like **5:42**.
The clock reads **3:14**
